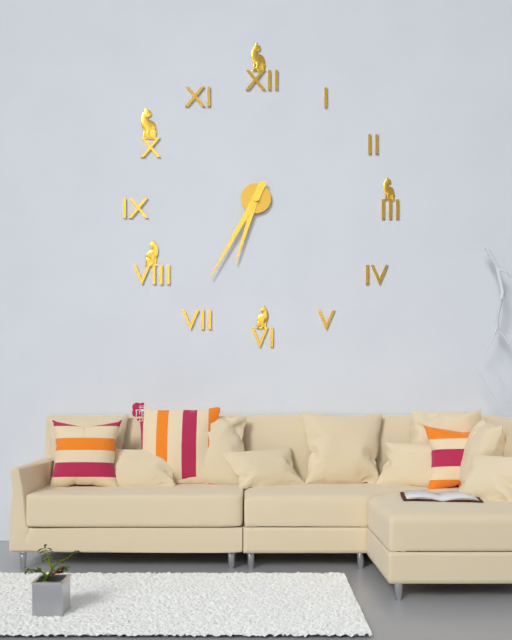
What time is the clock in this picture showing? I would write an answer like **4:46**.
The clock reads **6:35**
